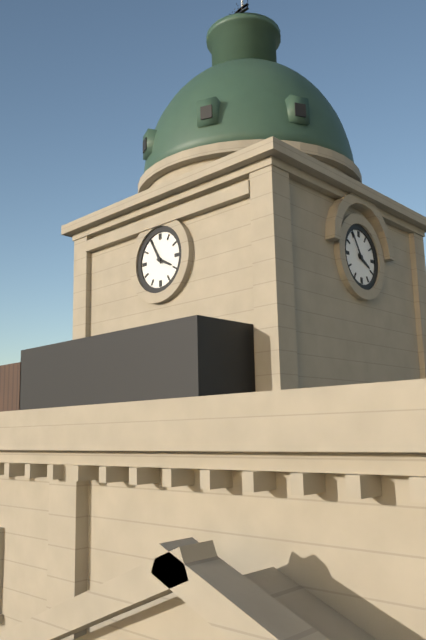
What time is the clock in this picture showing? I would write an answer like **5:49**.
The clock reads **3:55**
